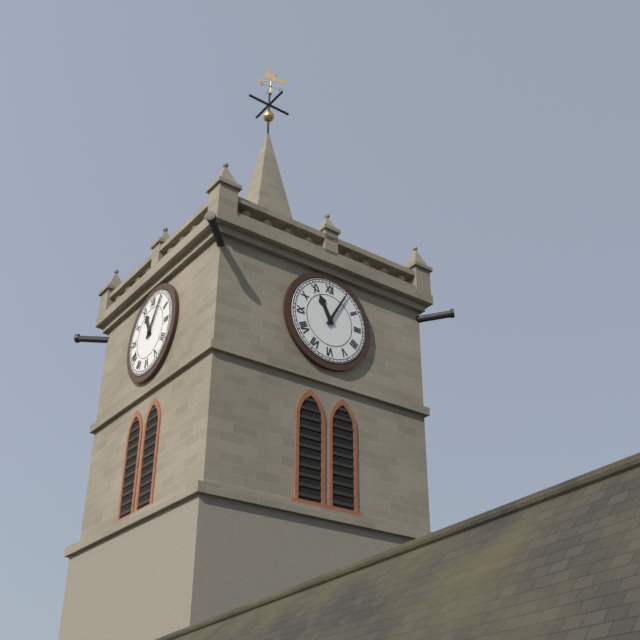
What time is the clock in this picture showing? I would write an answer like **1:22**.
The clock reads **11:05**
